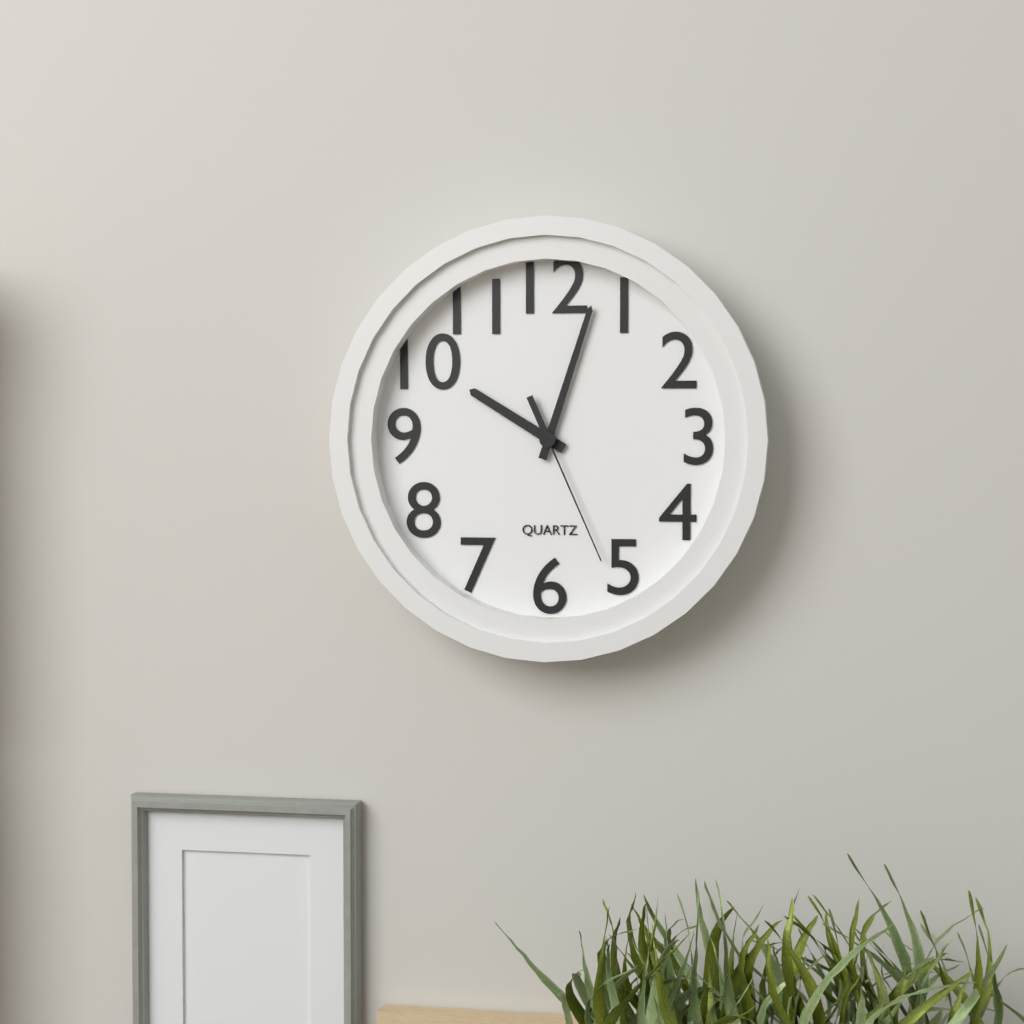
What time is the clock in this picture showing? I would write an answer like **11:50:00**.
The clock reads **10:03:26**
